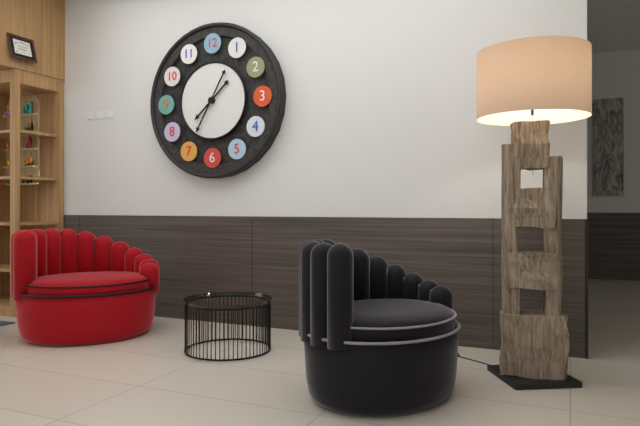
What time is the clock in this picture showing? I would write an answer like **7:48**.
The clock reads **7:35**
